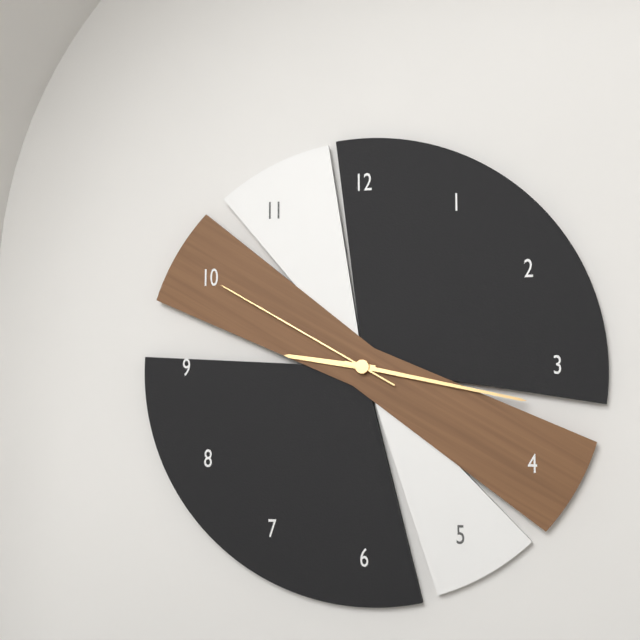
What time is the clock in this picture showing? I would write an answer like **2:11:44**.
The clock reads **9:17:50**
